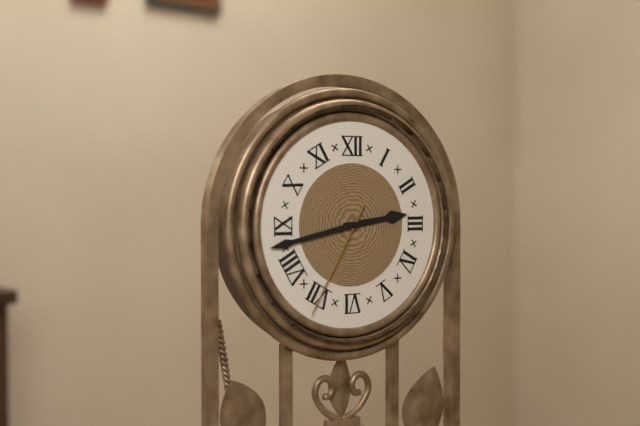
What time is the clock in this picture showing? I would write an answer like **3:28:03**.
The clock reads **2:43:35**
